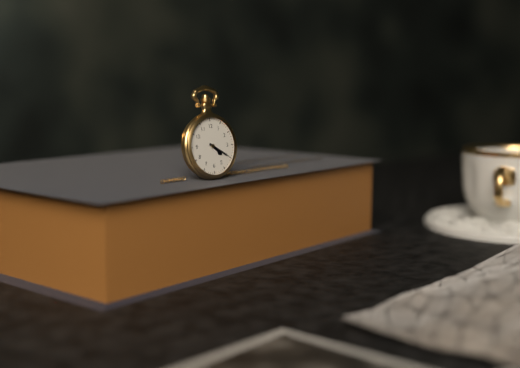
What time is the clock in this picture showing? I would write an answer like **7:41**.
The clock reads **4:20**
